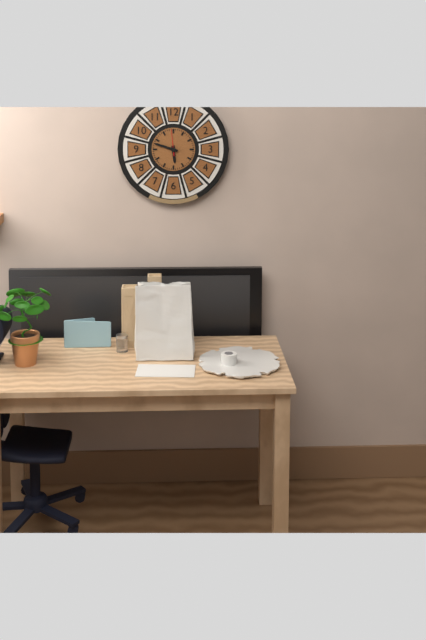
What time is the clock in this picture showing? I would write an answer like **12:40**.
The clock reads **5:48**
